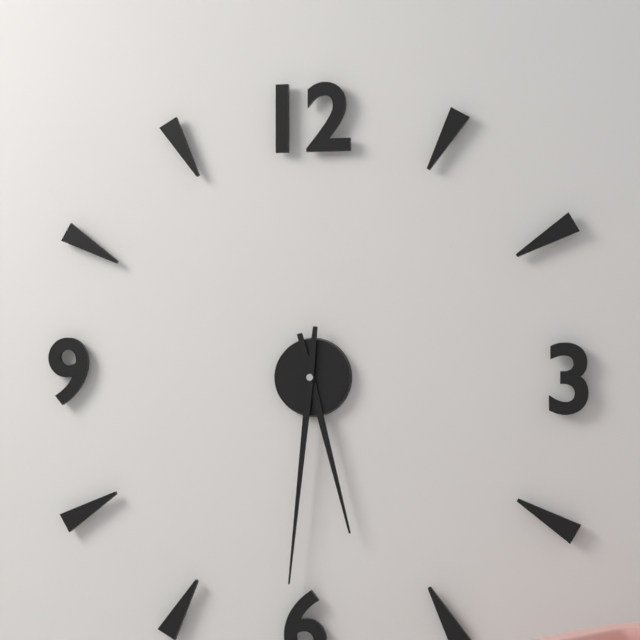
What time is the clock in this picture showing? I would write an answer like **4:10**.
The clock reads **5:31**
